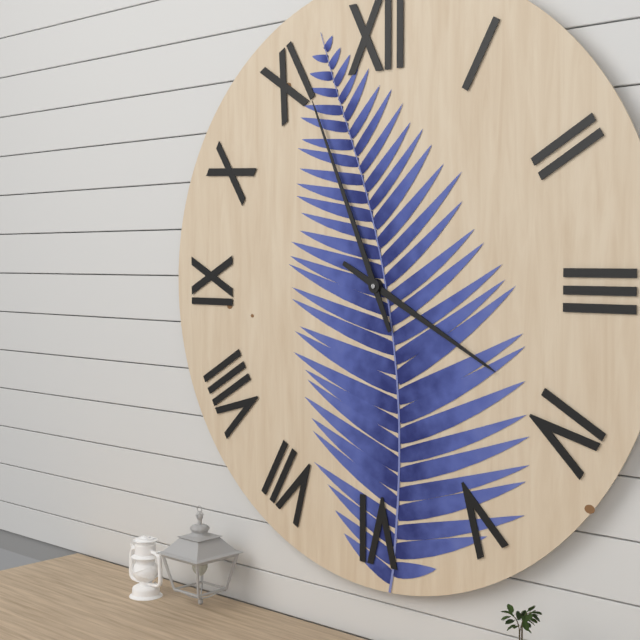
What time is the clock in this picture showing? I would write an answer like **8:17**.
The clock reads **3:56**
